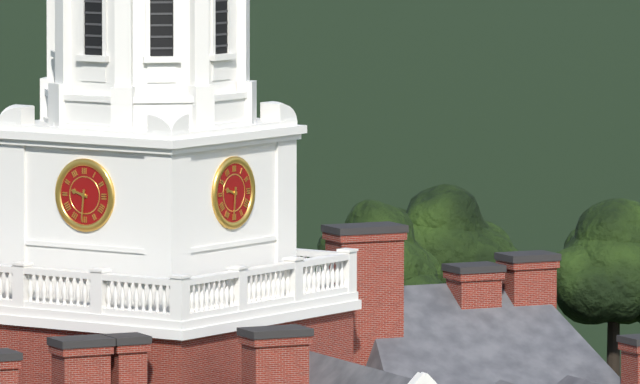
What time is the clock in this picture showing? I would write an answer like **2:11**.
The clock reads **9:31**
